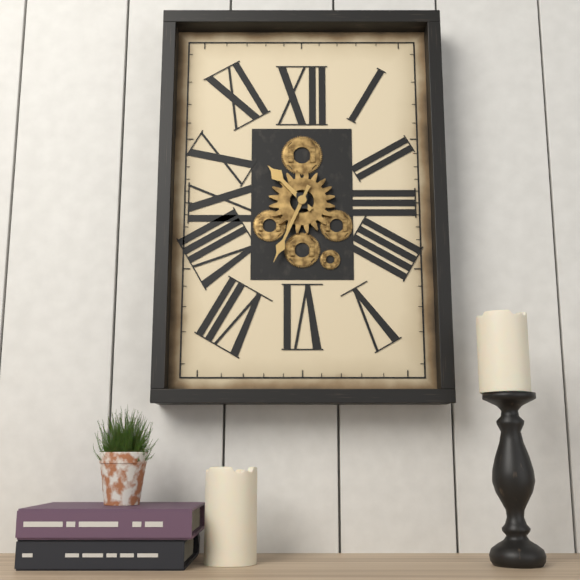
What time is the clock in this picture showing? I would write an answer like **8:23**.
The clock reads **10:34**
